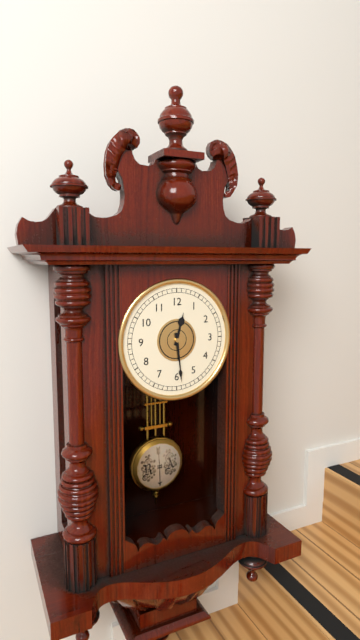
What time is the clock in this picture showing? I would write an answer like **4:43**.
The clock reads **12:29**
